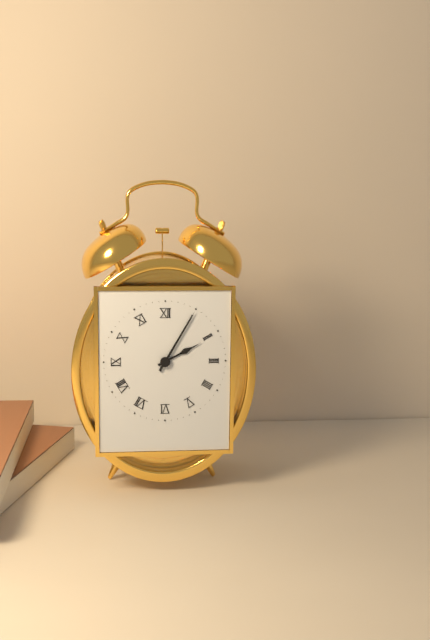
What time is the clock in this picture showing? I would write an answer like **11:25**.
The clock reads **2:05**
